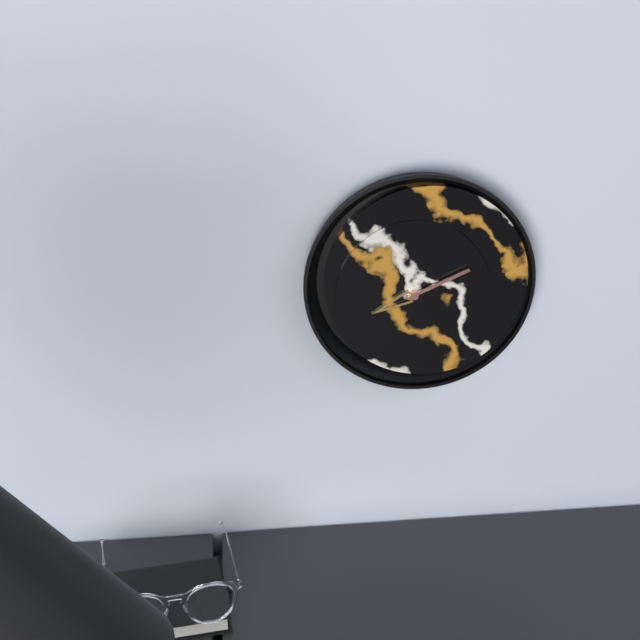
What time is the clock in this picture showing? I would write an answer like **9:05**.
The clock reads **8:11**
